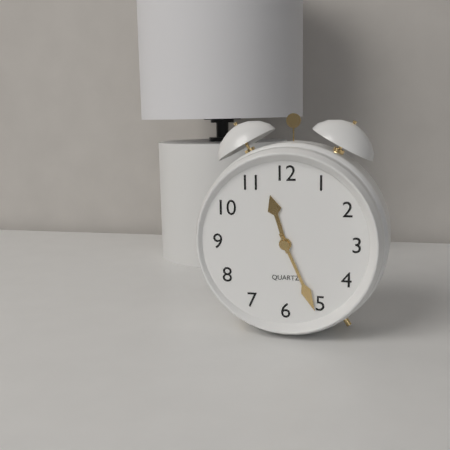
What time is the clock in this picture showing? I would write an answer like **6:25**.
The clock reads **11:26**
